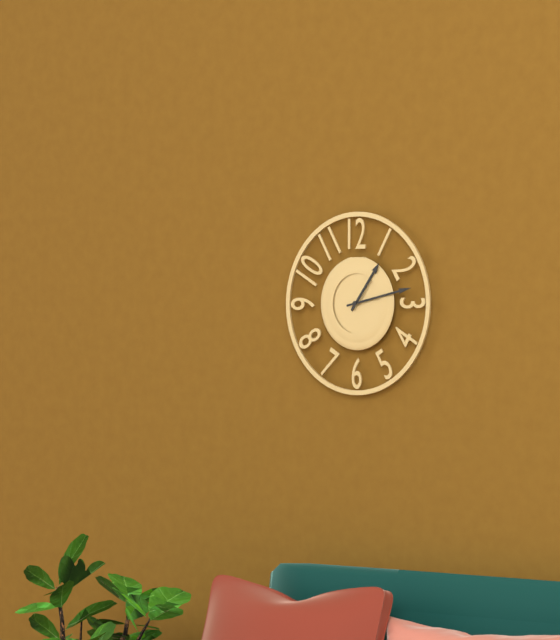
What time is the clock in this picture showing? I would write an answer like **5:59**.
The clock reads **1:13**
